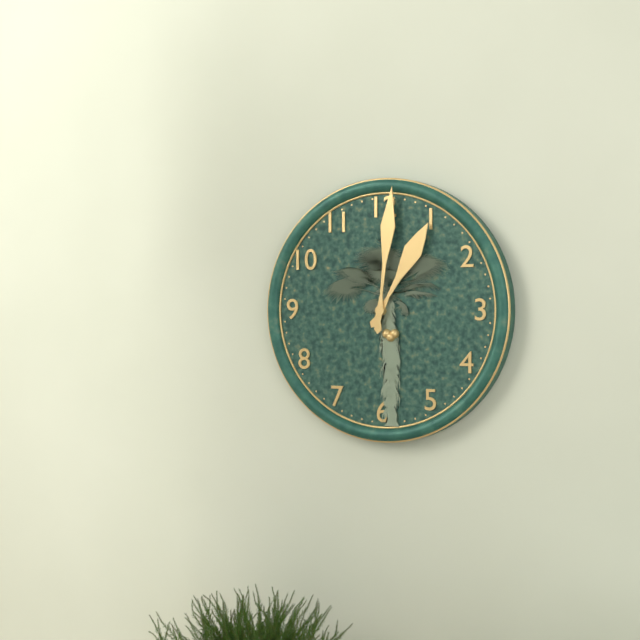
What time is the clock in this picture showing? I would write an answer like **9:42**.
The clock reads **1:01**
